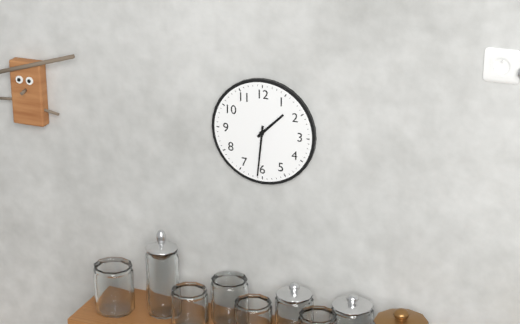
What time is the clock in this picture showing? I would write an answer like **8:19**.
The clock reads **1:31**
